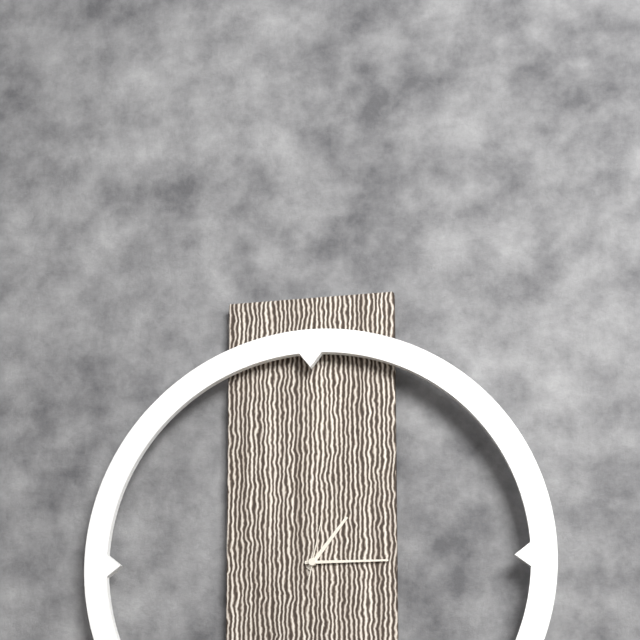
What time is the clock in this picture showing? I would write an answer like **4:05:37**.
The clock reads **1:15:02**
